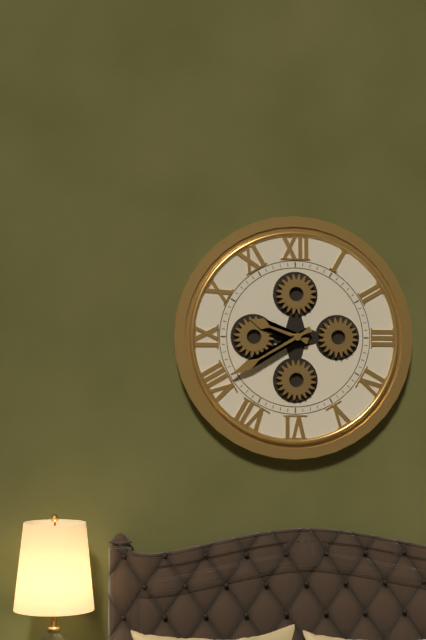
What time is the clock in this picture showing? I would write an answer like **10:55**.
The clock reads **9:40**
